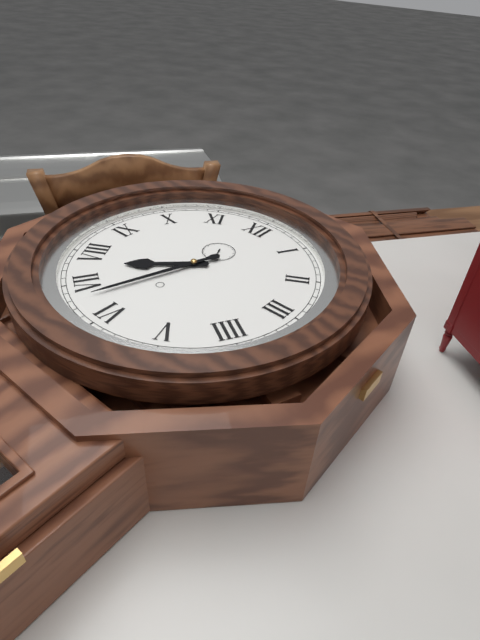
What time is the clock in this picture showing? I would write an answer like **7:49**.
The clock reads **7:33**
